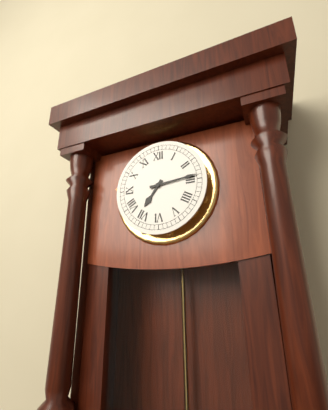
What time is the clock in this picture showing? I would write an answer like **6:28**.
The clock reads **7:14**
